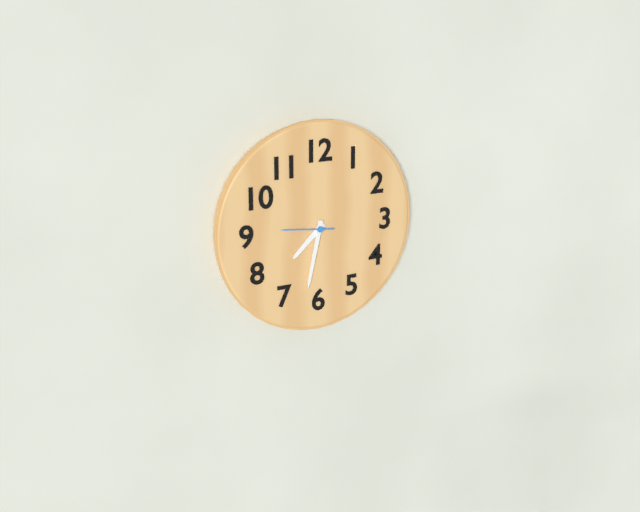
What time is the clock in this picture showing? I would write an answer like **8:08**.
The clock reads **7:32**
